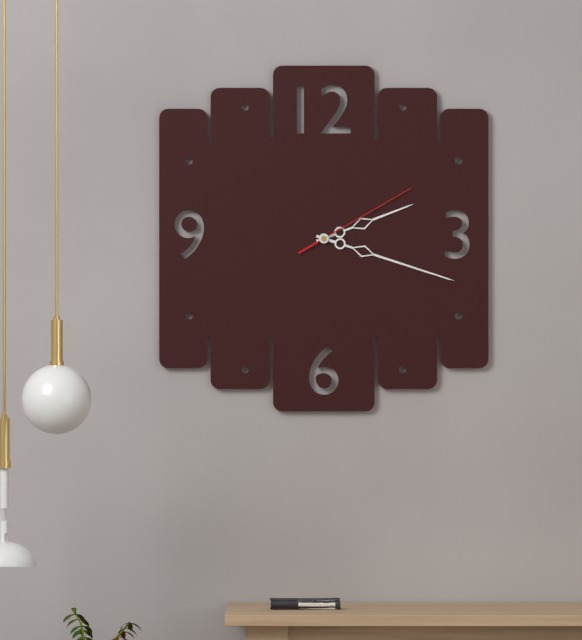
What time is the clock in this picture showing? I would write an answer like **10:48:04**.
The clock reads **2:18:10**
